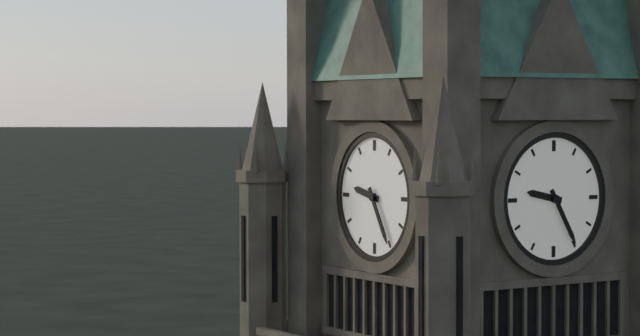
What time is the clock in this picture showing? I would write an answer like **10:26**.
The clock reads **9:25**
